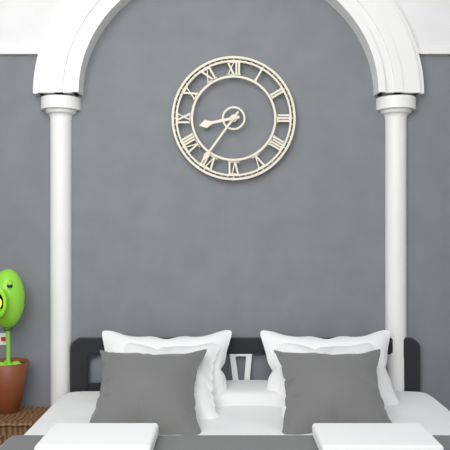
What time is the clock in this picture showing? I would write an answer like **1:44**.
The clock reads **8:36**
